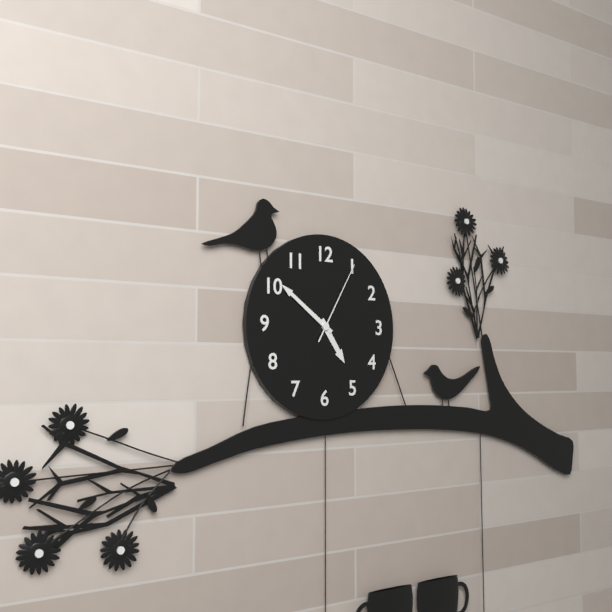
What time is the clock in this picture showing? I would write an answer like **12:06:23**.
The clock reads **4:51:05**
